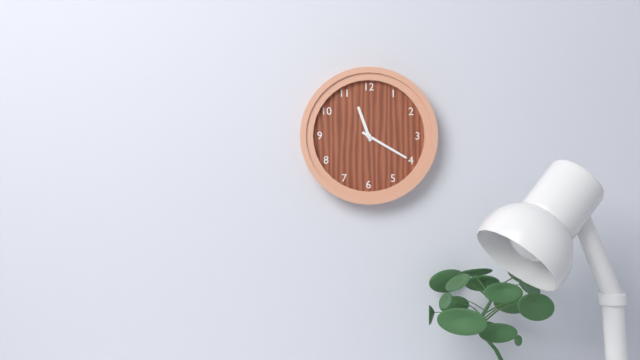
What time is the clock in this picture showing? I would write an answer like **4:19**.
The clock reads **11:20**
